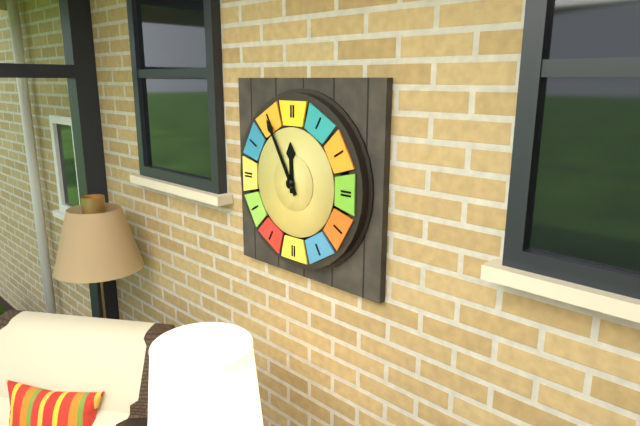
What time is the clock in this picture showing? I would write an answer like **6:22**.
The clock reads **11:55**
